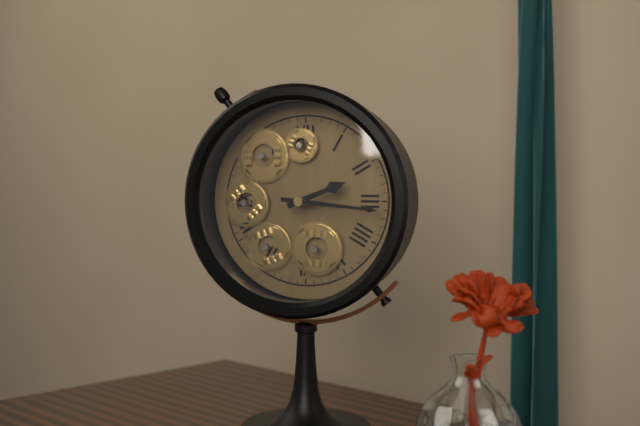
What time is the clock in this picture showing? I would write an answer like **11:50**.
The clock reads **2:16**
